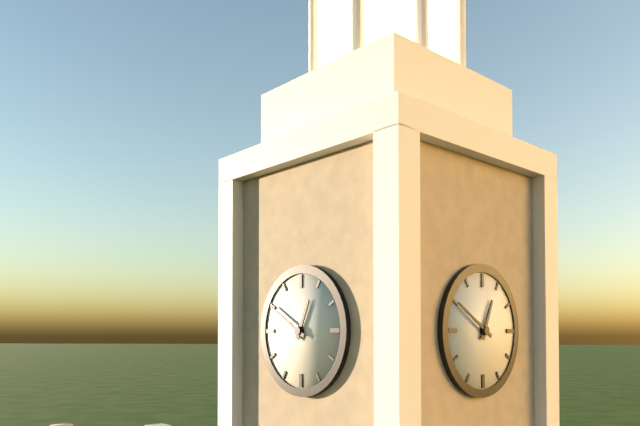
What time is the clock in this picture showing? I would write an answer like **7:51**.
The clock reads **12:50**
